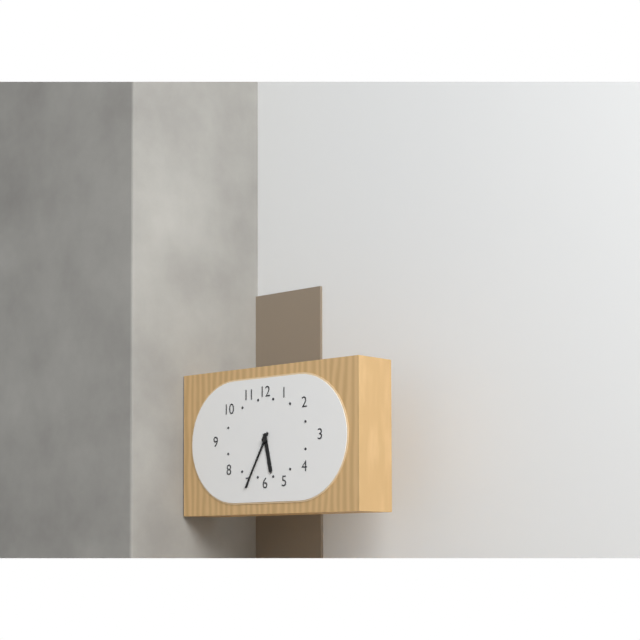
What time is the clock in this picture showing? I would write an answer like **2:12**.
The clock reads **5:35**
